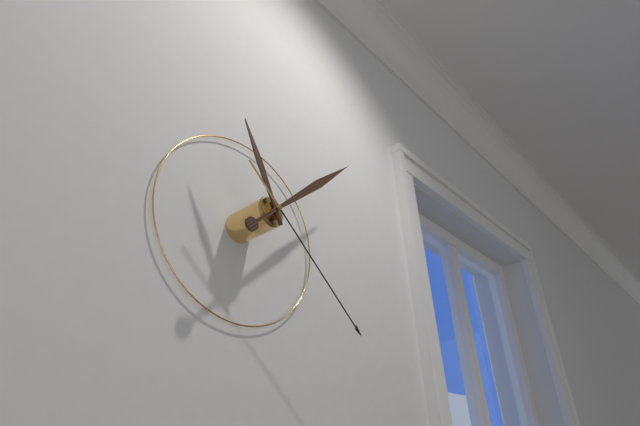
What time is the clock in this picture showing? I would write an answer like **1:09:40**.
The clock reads **11:08:22**
